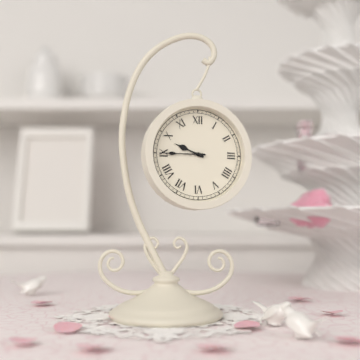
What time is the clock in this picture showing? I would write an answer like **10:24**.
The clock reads **9:45**
